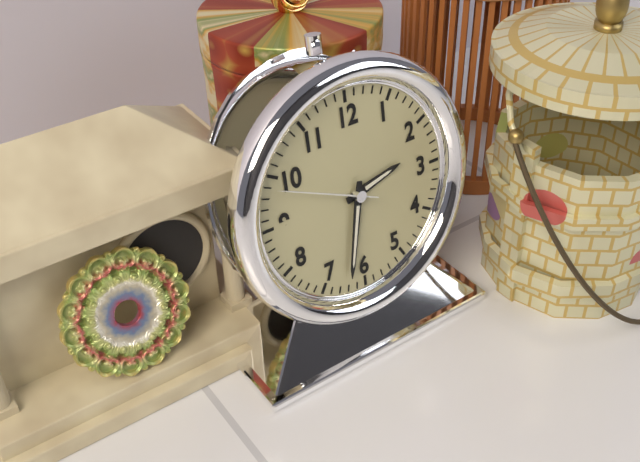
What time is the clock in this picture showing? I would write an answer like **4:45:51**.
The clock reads **2:32:49**
